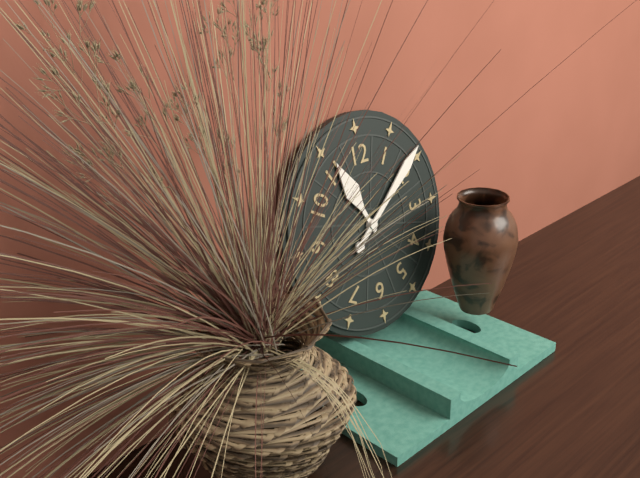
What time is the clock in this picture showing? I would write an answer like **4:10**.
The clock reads **11:09**
